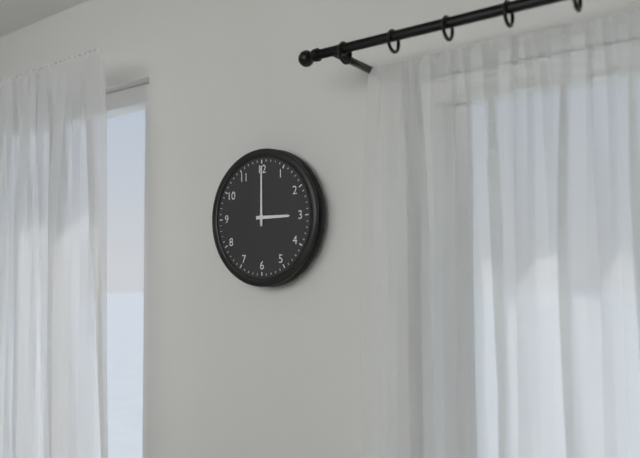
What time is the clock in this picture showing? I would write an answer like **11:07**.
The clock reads **3:00**
